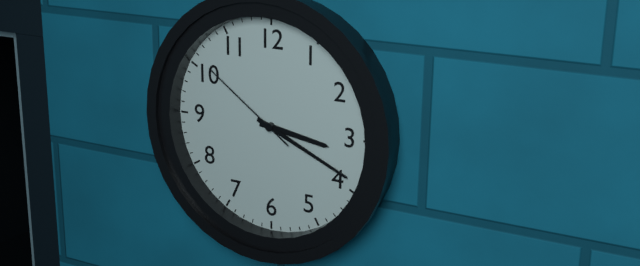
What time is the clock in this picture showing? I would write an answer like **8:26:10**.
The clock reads **3:19:51**
